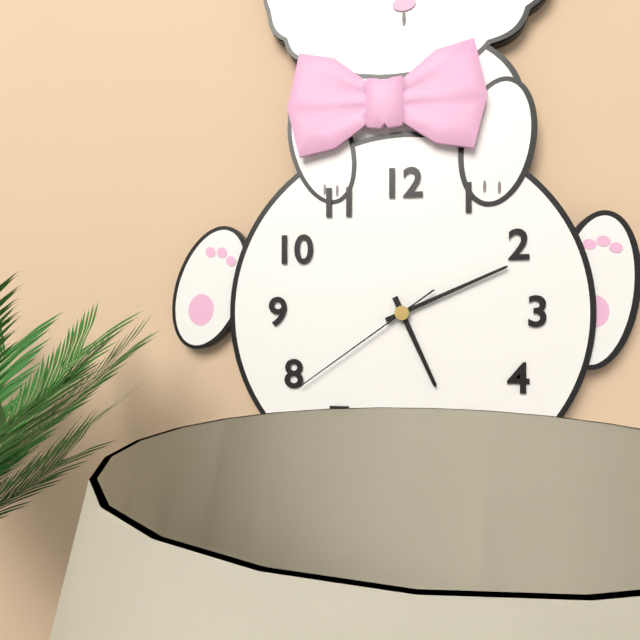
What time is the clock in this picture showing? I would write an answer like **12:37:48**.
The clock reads **5:11:39**
